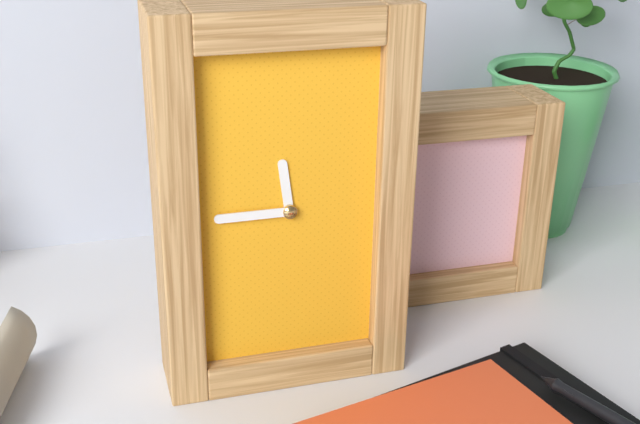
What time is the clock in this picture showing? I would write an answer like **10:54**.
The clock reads **11:45**
